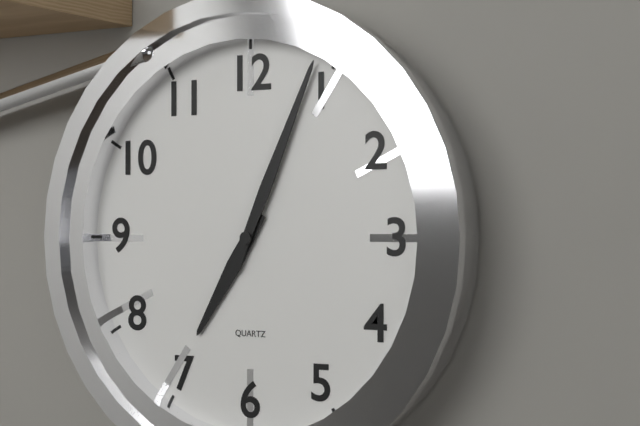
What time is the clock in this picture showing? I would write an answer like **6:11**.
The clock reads **7:04**
